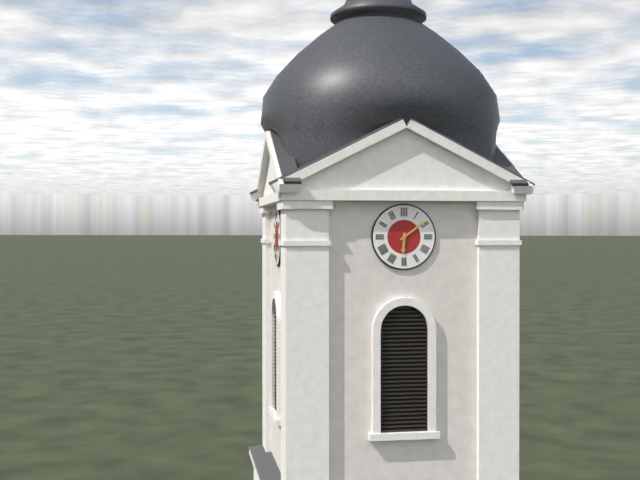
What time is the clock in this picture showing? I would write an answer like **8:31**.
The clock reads **6:09**
